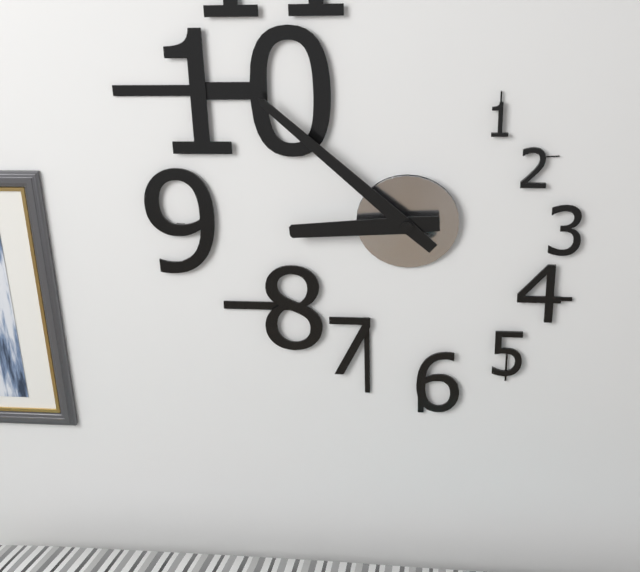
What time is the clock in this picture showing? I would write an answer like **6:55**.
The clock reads **8:52**
